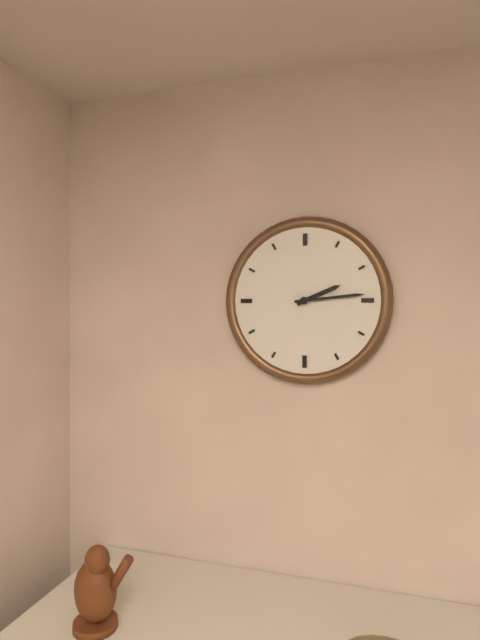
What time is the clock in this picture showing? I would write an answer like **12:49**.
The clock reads **2:14**
